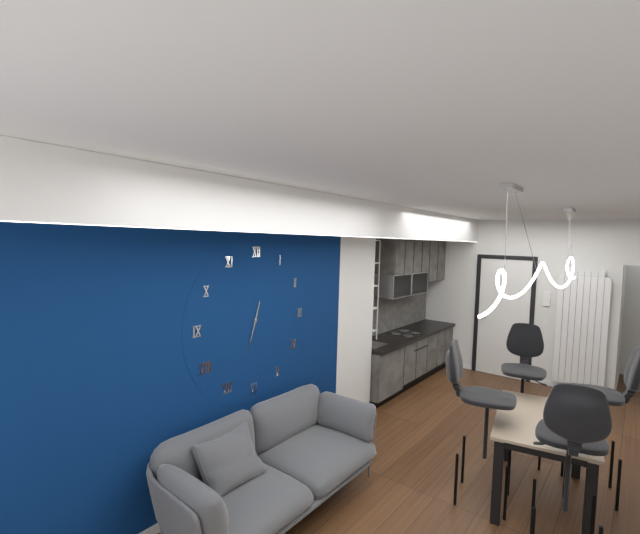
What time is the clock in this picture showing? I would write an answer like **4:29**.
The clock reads **12:33**
